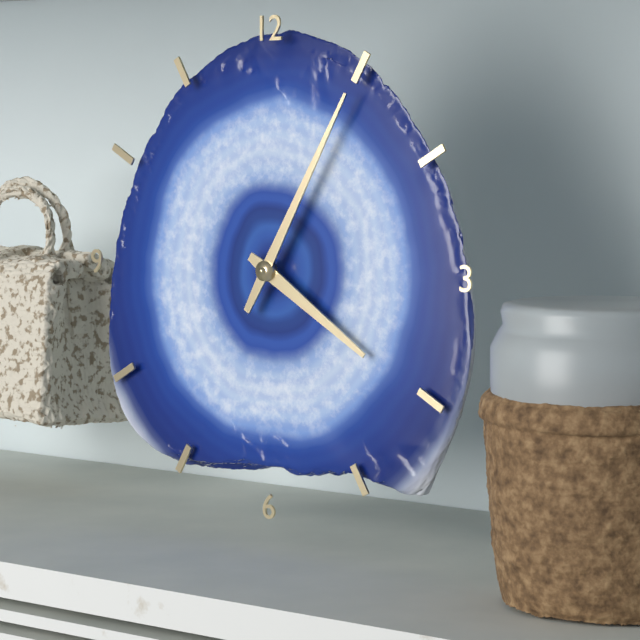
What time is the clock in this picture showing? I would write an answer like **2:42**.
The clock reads **4:05**
